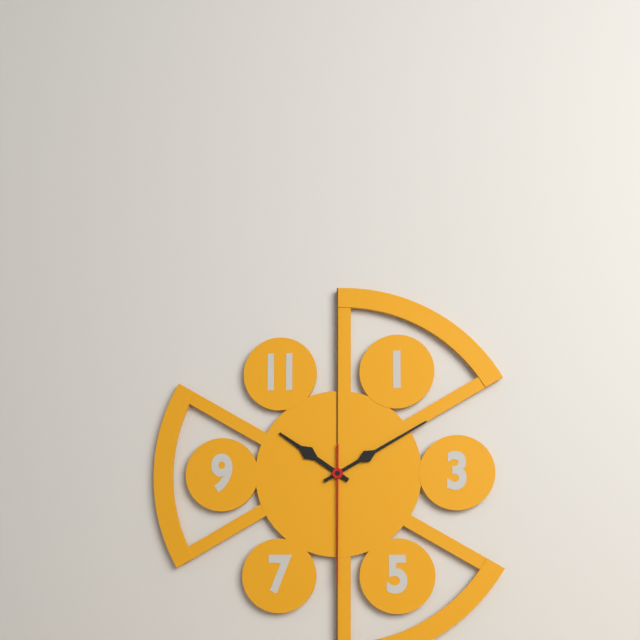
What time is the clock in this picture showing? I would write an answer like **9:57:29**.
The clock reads **10:10:30**
